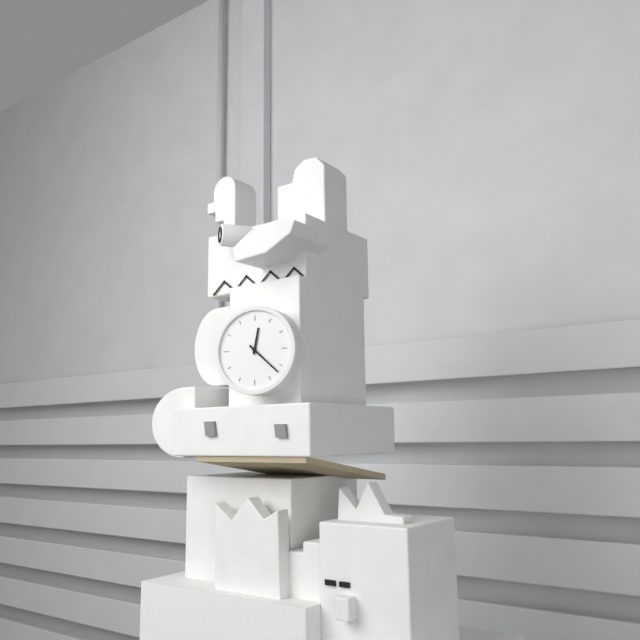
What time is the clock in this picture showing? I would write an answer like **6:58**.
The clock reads **12:22**
